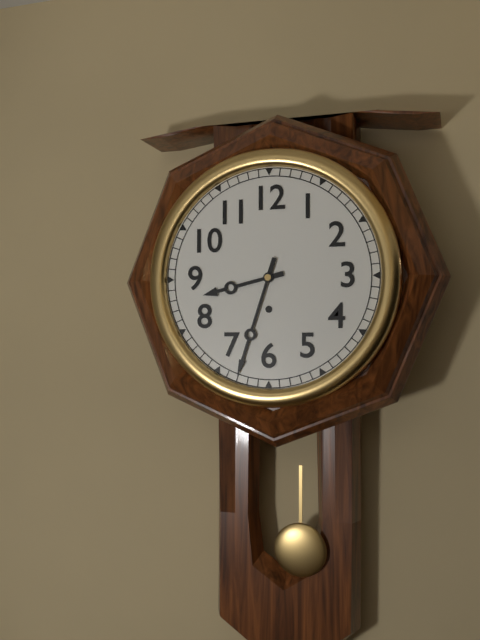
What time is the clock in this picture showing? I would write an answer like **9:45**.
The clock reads **8:33**
